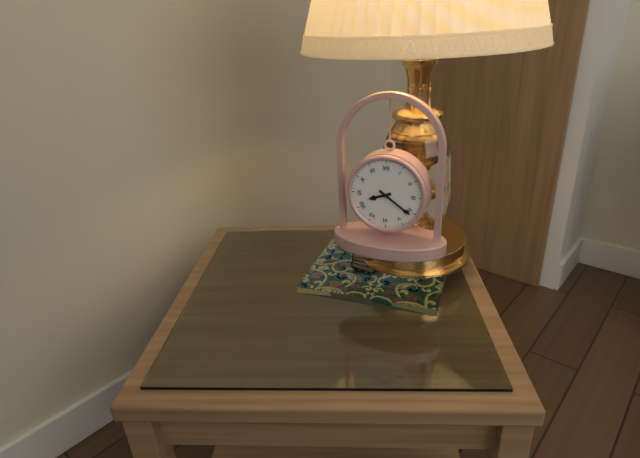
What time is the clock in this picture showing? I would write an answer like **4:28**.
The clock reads **8:21**
